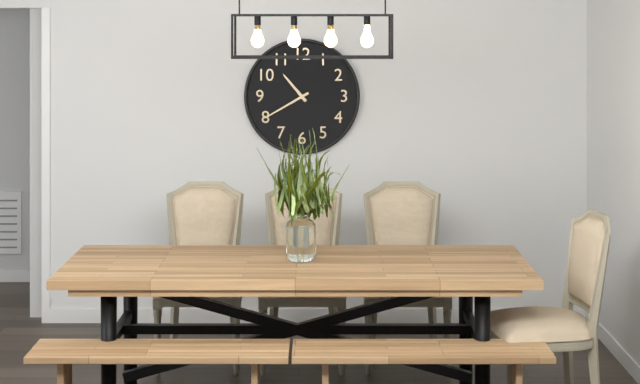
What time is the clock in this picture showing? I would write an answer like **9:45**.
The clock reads **10:40**
